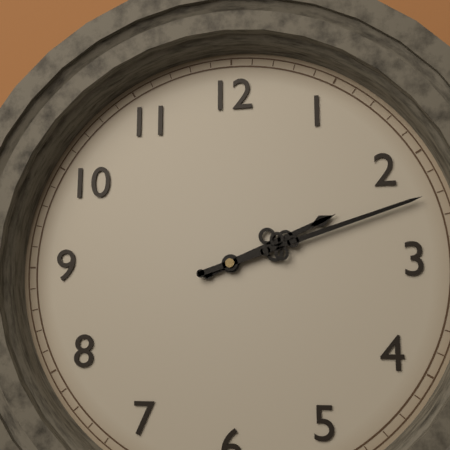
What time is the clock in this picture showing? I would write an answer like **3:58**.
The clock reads **2:12**
